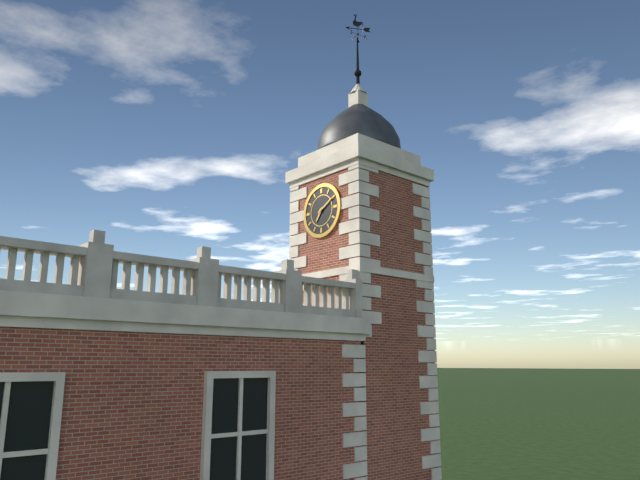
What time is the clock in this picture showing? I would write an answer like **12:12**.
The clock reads **7:10**
